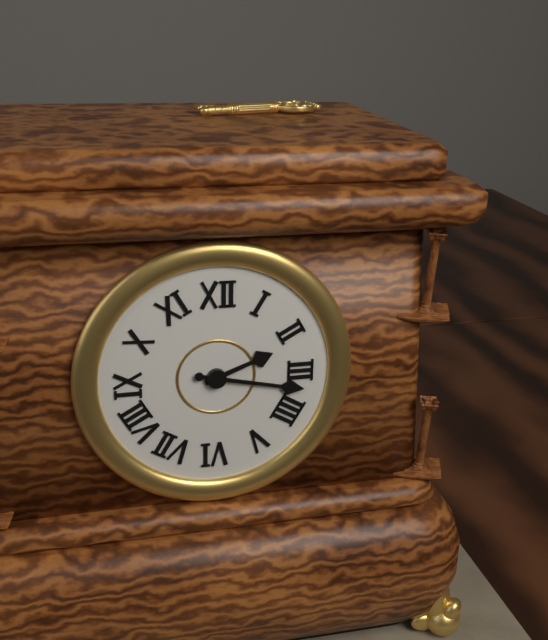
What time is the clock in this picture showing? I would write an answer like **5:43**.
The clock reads **2:17**
